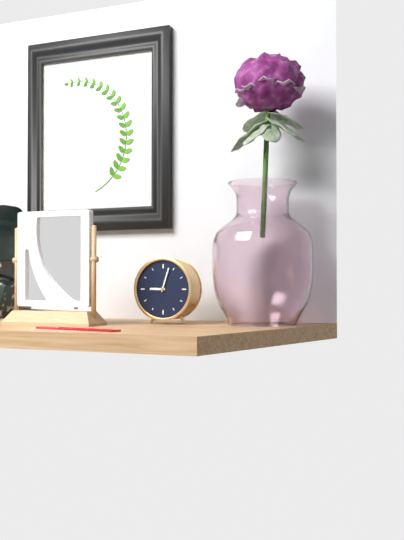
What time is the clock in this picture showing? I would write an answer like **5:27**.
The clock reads **9:03**
